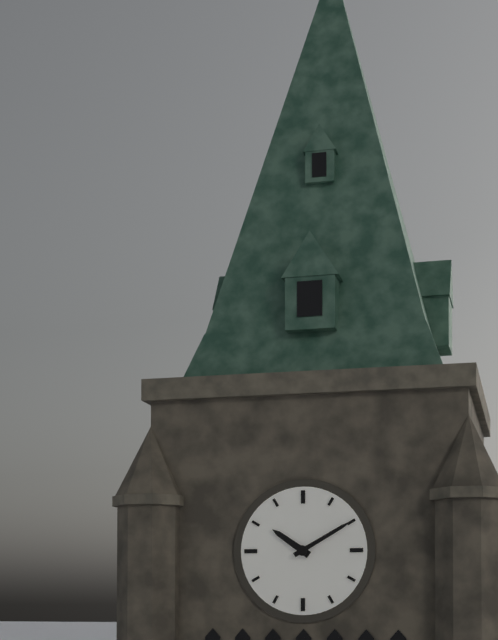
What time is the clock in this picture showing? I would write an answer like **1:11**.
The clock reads **10:10**
